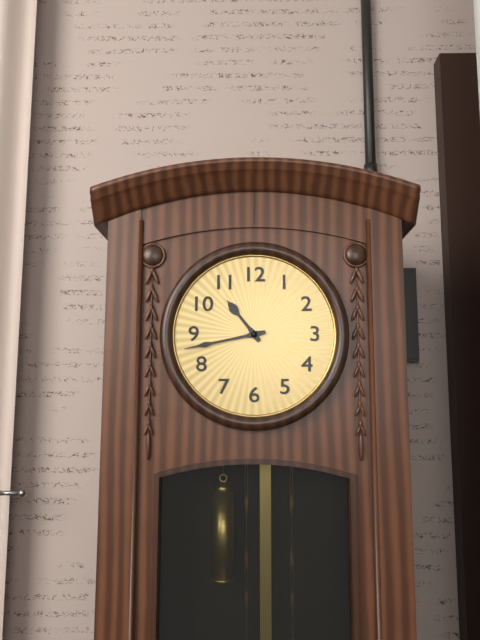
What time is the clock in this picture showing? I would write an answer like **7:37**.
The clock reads **10:43**
